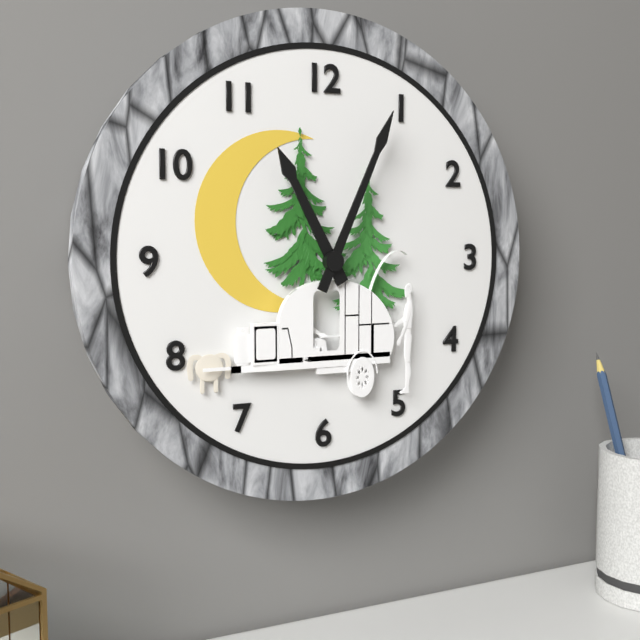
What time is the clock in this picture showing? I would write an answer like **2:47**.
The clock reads **11:04**
